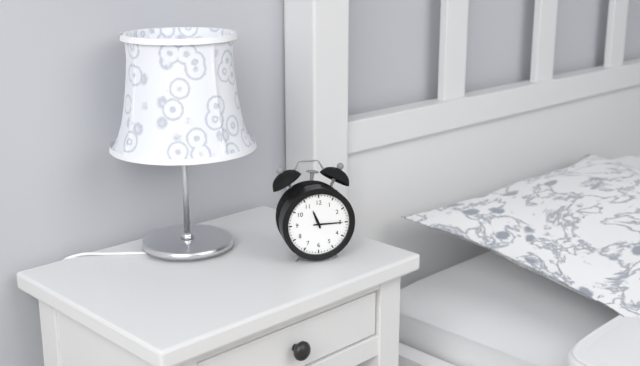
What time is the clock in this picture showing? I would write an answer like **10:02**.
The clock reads **11:15**
